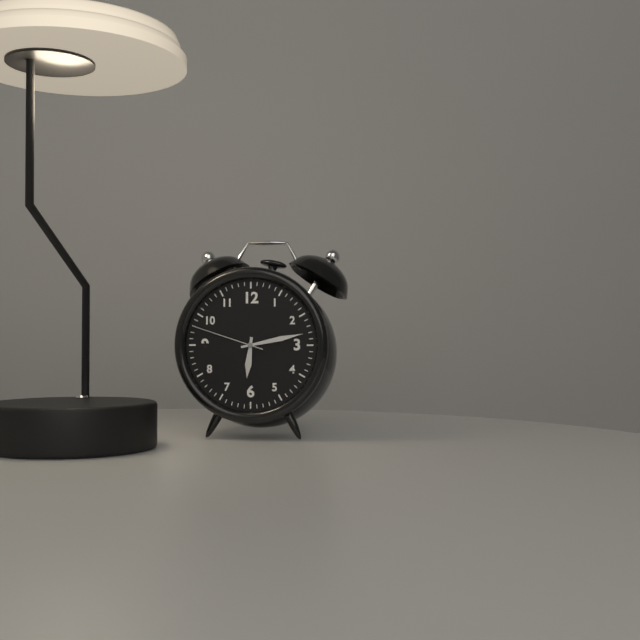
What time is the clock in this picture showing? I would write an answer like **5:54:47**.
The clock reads **6:13:48**
